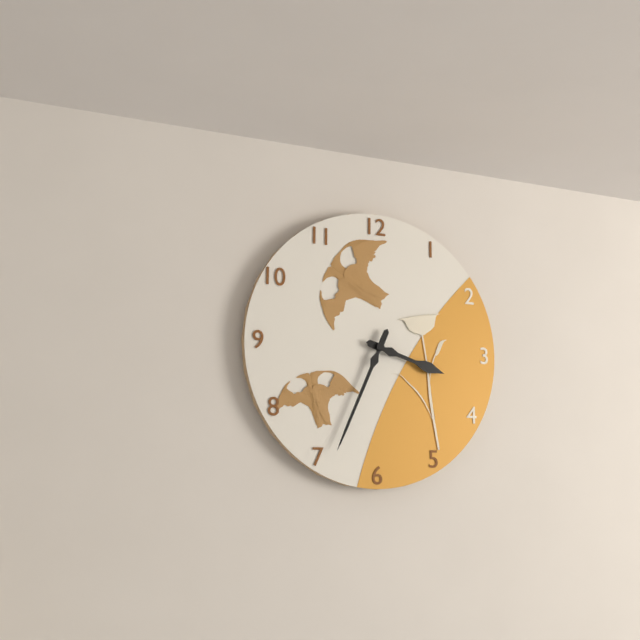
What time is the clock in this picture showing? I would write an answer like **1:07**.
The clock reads **3:34**
